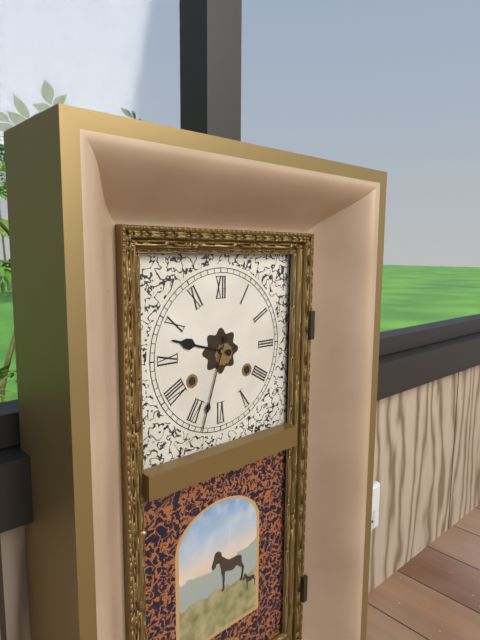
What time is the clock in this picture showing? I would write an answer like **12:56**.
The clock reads **9:33**
